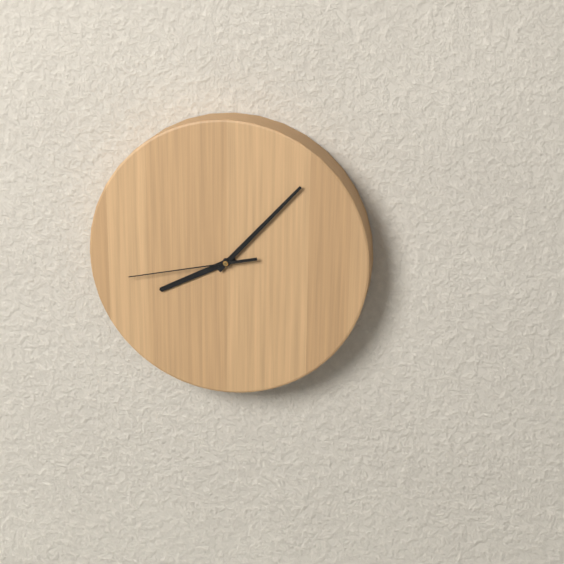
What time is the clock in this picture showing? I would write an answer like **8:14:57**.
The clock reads **8:07:43**
